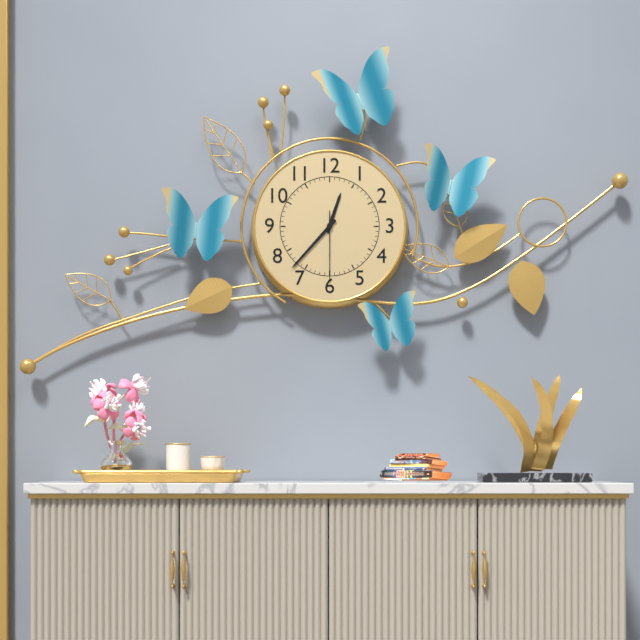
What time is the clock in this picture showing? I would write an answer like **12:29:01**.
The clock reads **12:37:30**
